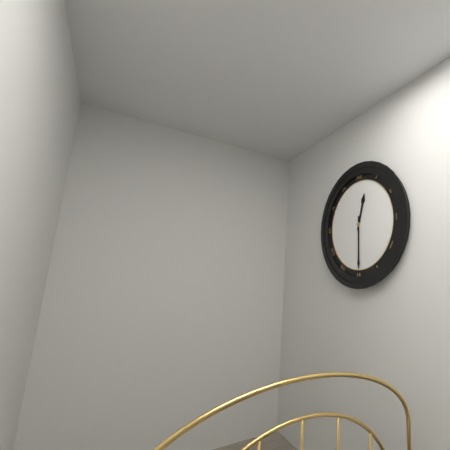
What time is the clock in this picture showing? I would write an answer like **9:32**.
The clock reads **12:30**
